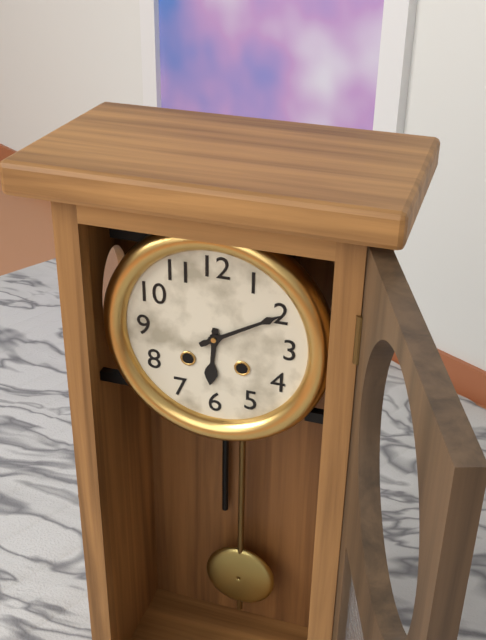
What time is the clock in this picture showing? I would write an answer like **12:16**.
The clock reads **6:10**
